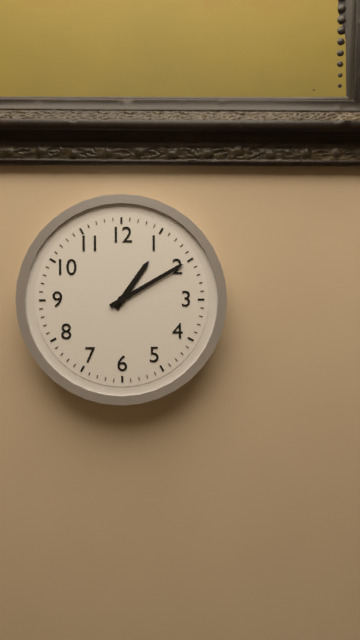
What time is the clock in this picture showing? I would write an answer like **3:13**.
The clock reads **1:10**
